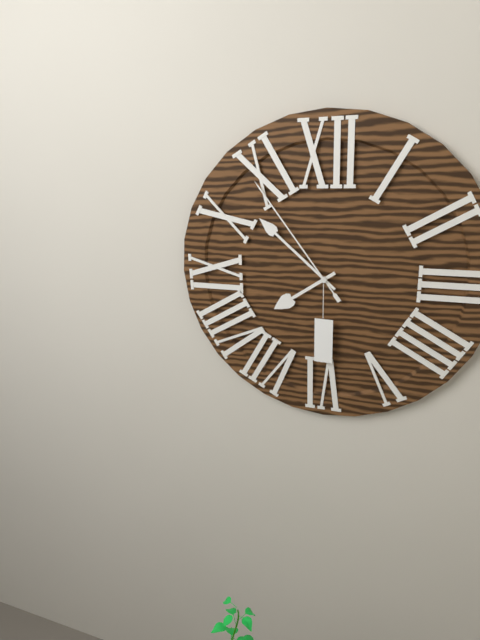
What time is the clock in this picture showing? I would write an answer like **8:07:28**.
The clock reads **7:52:54**
